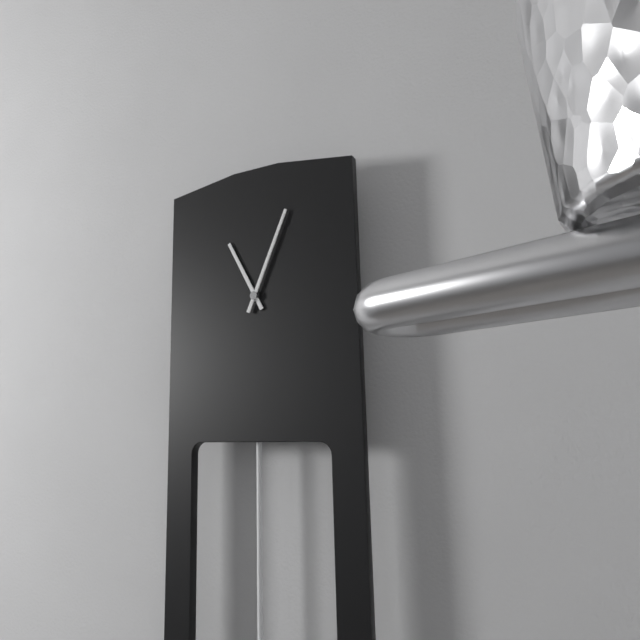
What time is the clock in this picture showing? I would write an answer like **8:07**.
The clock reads **11:04**
